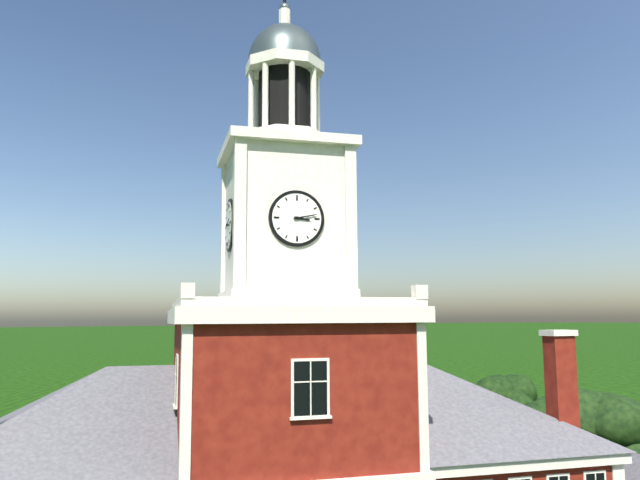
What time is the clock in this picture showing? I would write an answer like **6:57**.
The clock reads **3:13**
